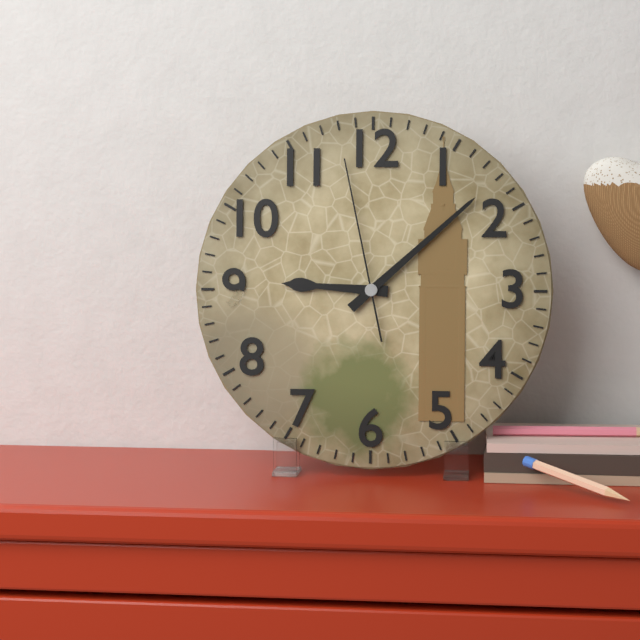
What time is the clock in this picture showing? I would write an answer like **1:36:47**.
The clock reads **9:08:58**
